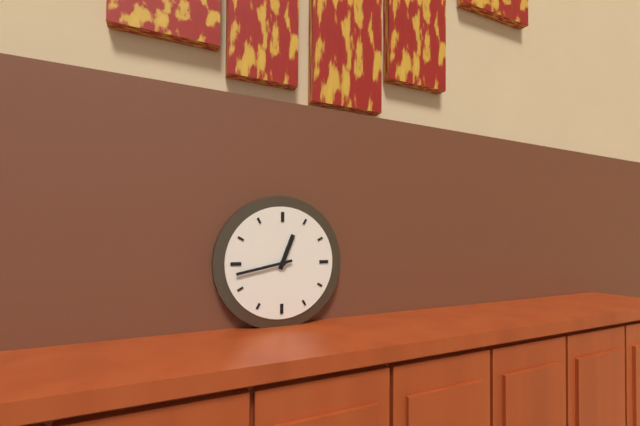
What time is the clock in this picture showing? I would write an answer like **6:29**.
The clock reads **12:43**
